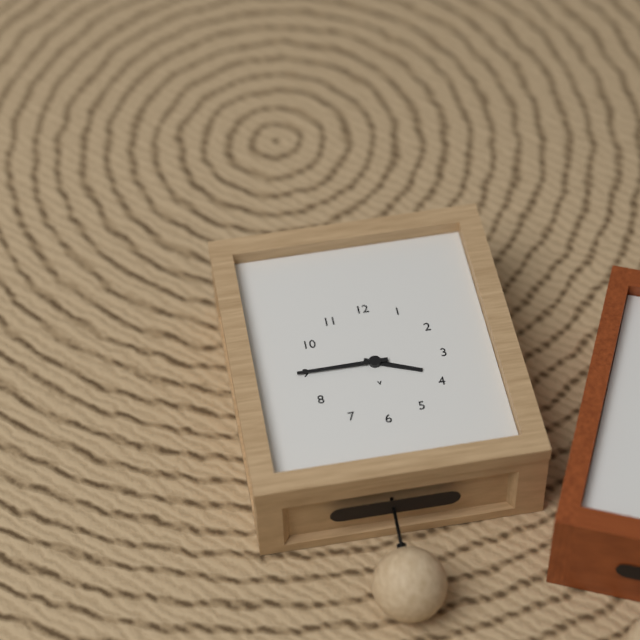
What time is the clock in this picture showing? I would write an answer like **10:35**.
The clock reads **3:45**
